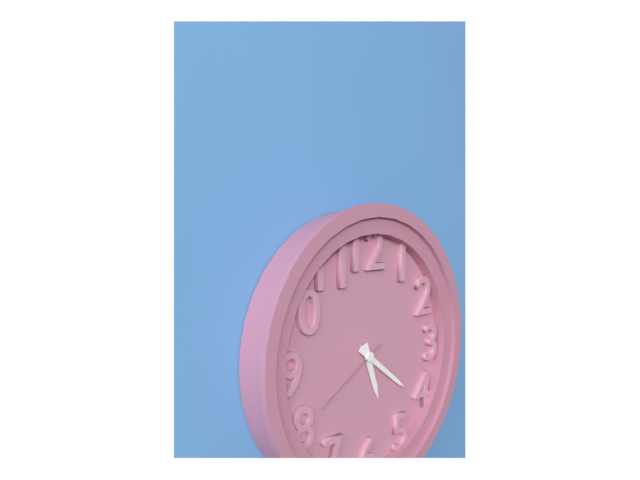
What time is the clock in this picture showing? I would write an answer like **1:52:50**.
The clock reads **5:21:40**
